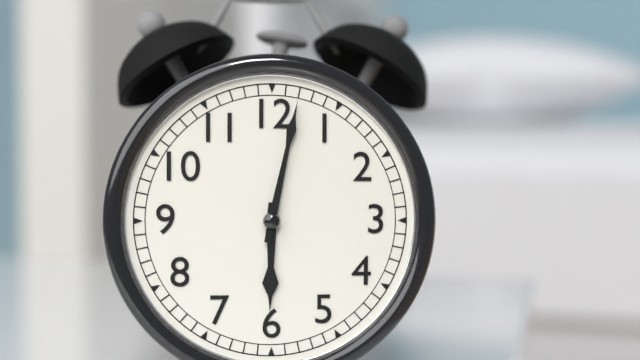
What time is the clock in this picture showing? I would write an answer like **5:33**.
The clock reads **6:02**
